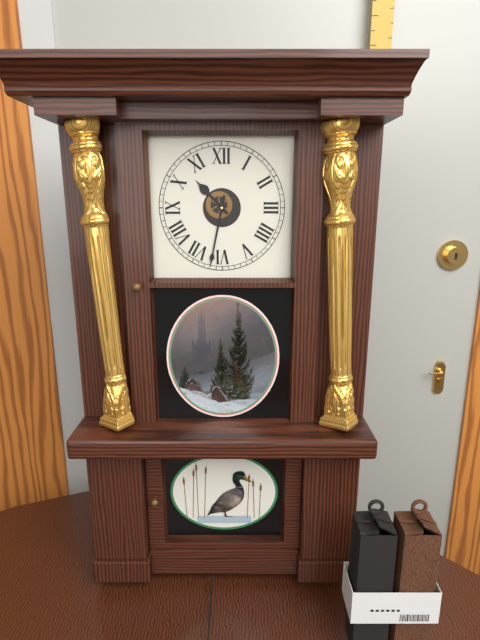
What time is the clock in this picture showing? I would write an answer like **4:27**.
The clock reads **10:32**
